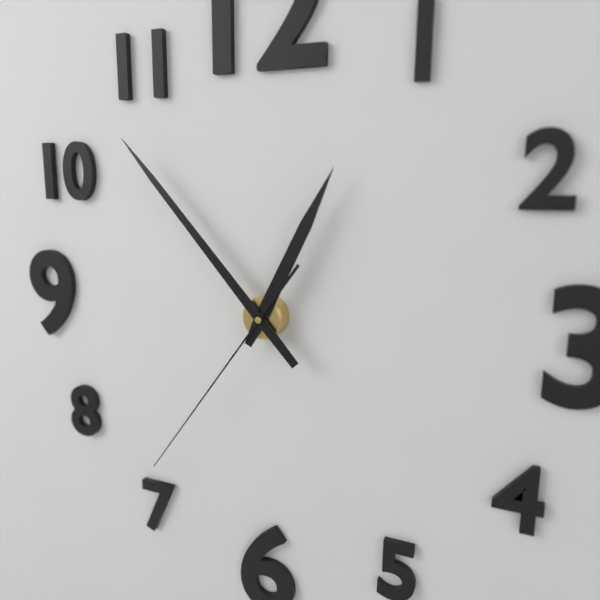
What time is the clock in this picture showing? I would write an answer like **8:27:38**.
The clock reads **12:53:36**
